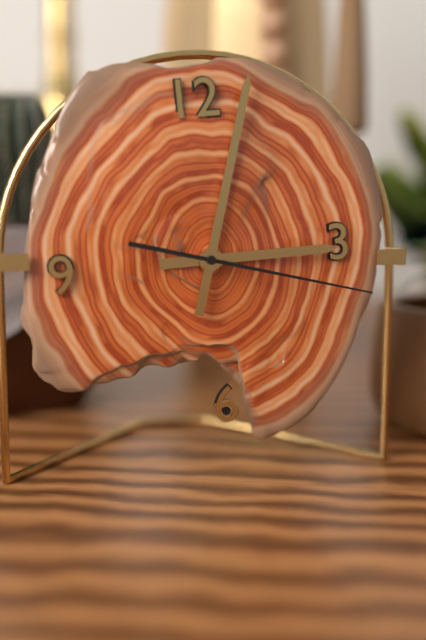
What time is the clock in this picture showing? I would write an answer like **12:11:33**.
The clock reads **3:03:18**
